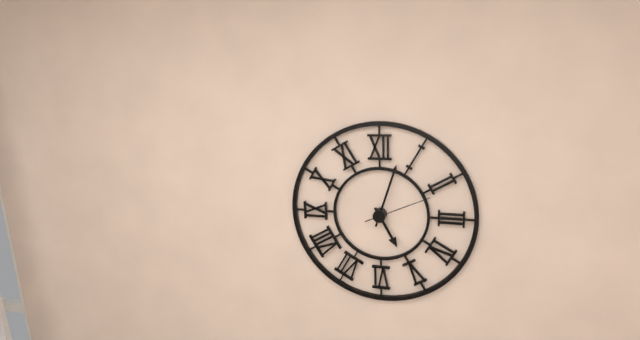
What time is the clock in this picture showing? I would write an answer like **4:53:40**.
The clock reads **5:03:11**
